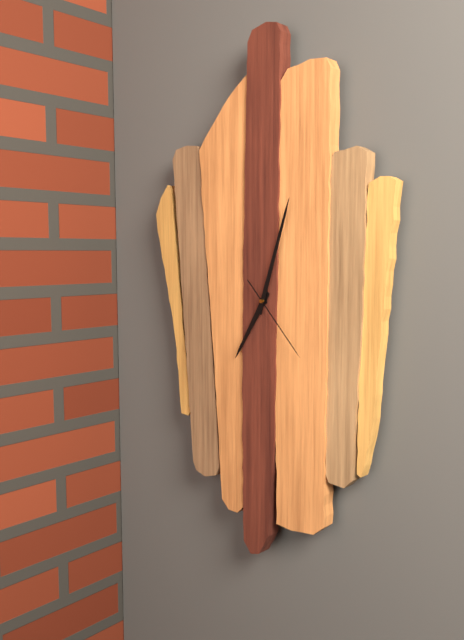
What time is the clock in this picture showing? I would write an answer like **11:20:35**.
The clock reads **7:03:23**
